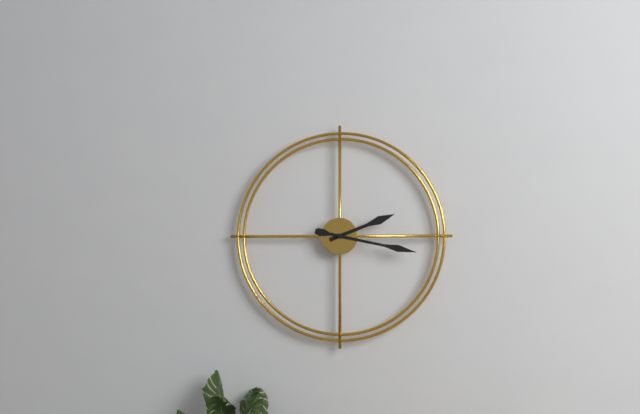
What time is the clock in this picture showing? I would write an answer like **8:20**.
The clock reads **2:17**
